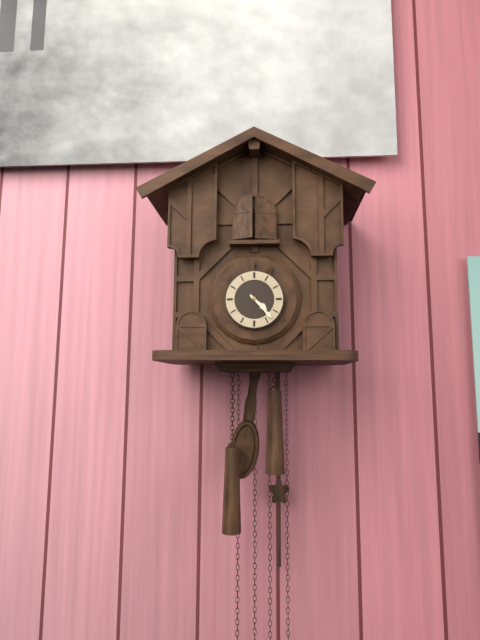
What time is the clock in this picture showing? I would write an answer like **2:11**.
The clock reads **4:23**
